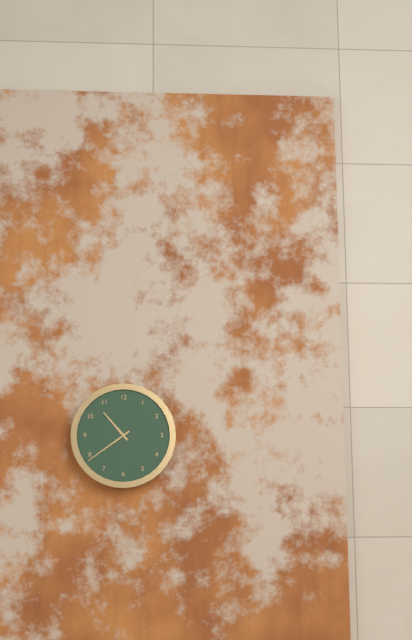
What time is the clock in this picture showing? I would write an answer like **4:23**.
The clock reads **10:39**
